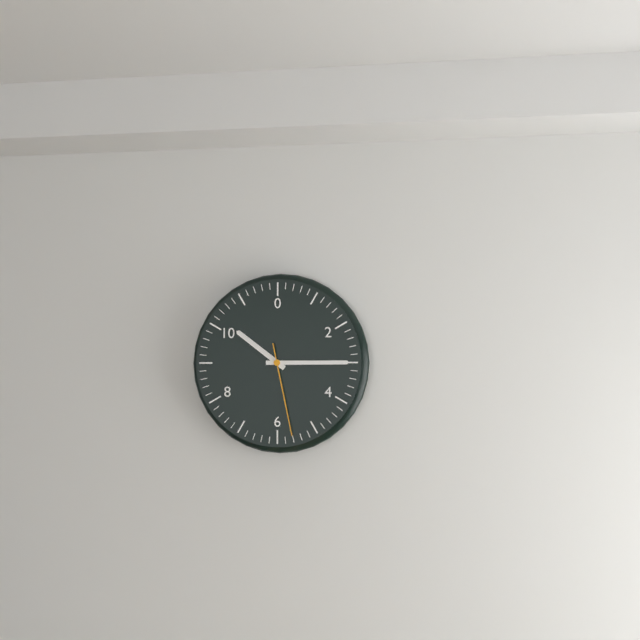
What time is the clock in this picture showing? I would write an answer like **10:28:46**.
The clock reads **10:15:28**
